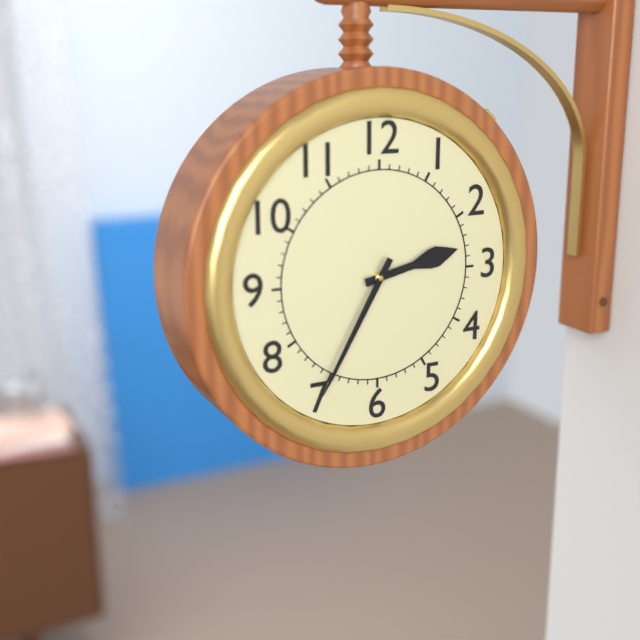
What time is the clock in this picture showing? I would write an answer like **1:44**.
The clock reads **2:35**
